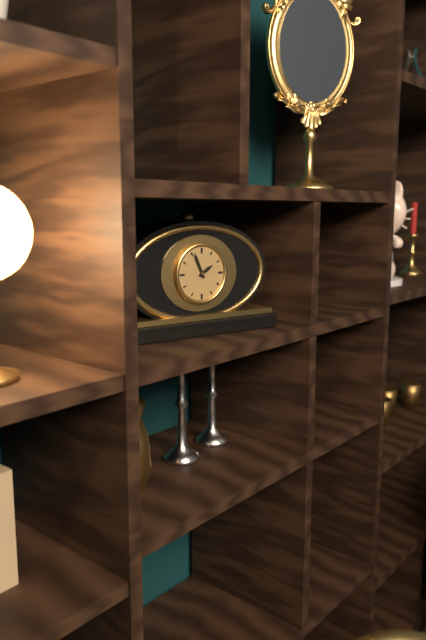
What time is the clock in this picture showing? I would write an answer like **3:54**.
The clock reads **1:56**
